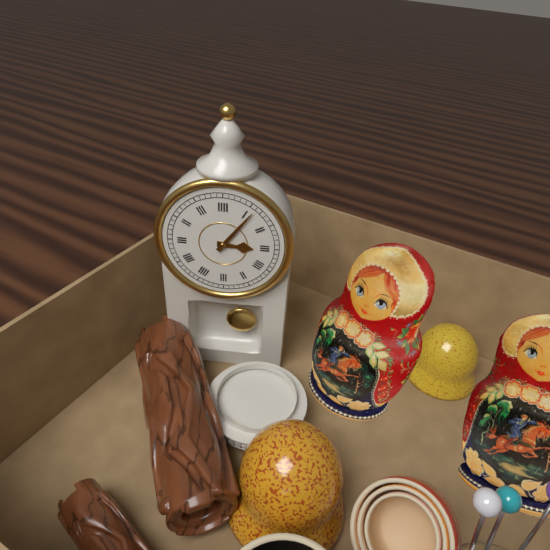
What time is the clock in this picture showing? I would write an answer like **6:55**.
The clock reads **3:06**
